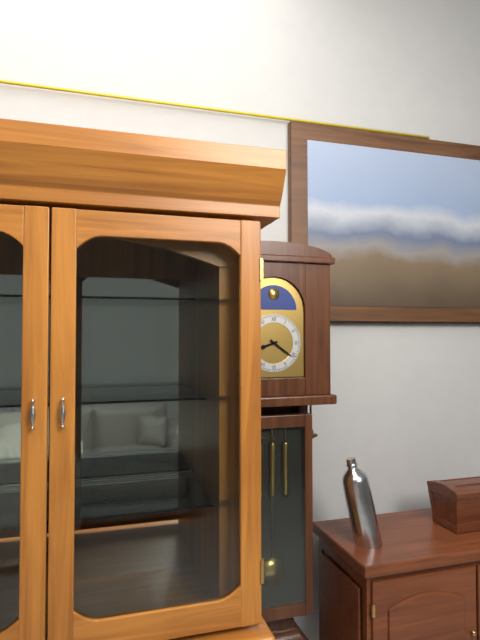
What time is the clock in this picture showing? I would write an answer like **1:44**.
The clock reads **8:21**
